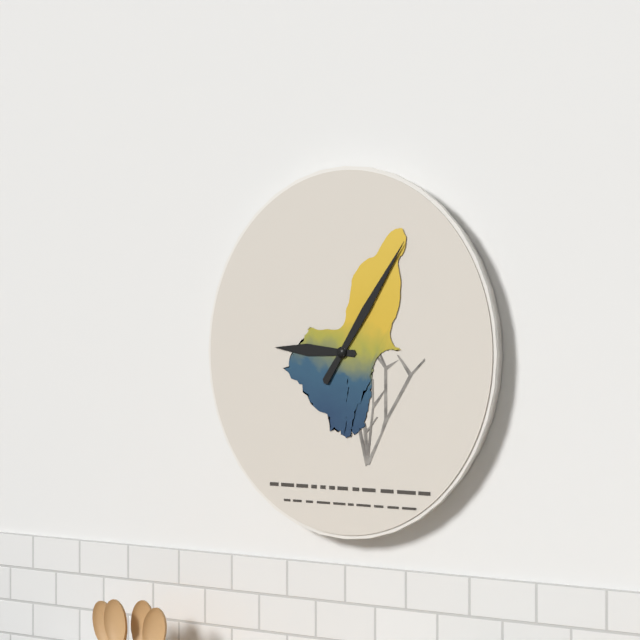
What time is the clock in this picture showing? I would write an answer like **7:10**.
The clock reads **9:06**
